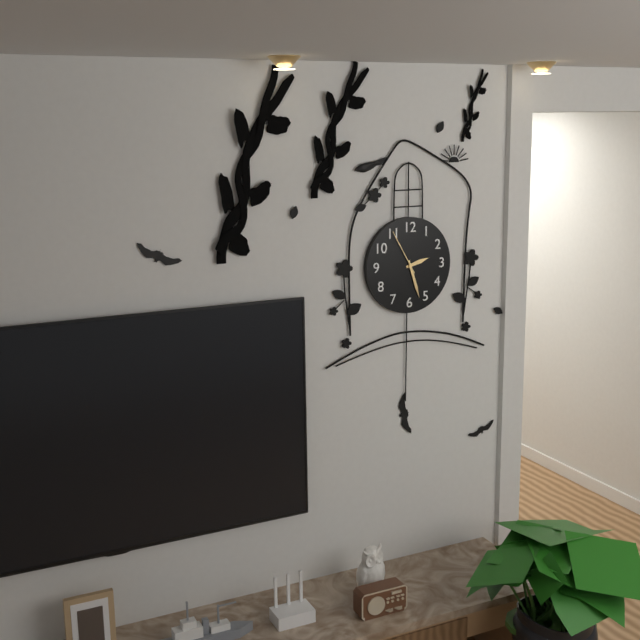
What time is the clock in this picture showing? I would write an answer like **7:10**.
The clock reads **2:27**
